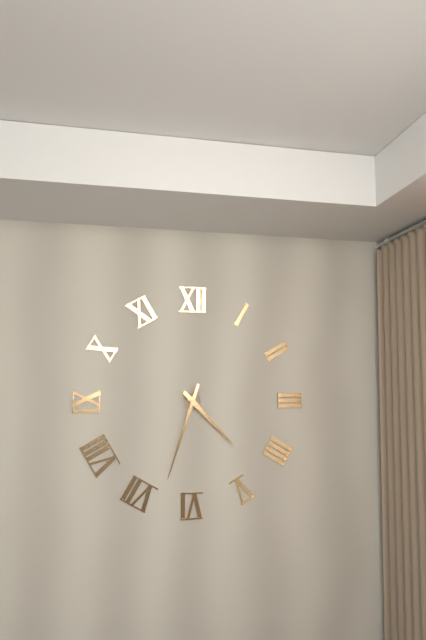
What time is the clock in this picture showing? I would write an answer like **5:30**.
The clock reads **4:33**
